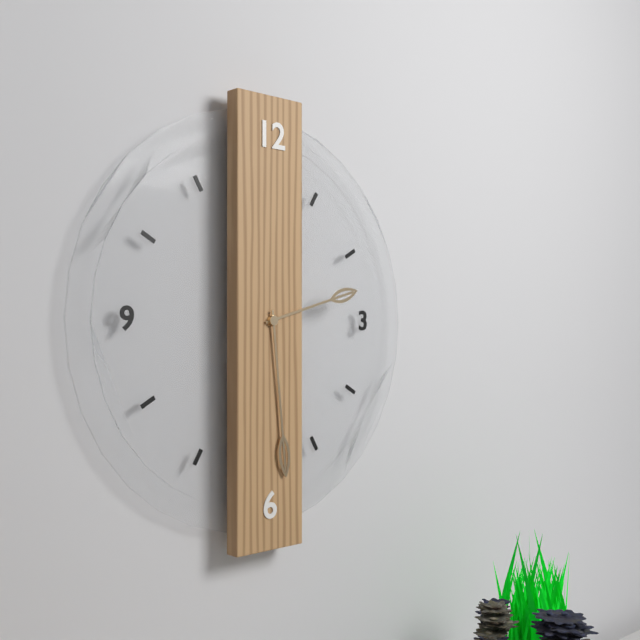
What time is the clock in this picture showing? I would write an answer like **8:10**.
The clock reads **2:29**
